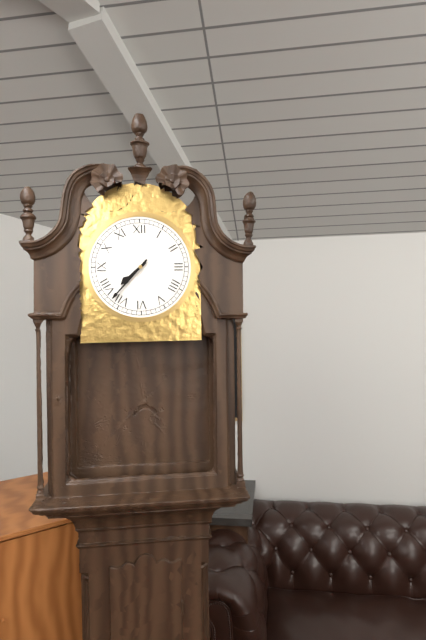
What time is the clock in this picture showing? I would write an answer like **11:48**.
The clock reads **7:37**
